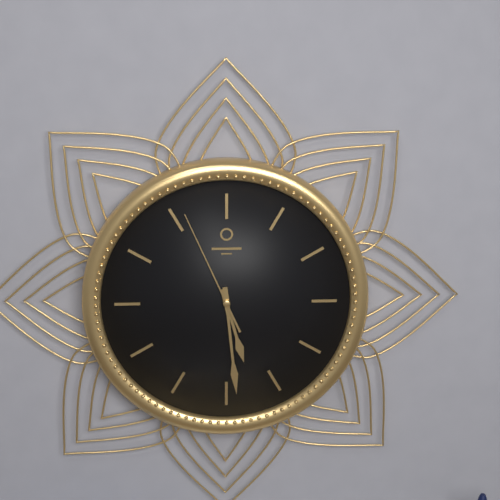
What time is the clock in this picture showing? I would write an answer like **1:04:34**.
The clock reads **5:29:56**
